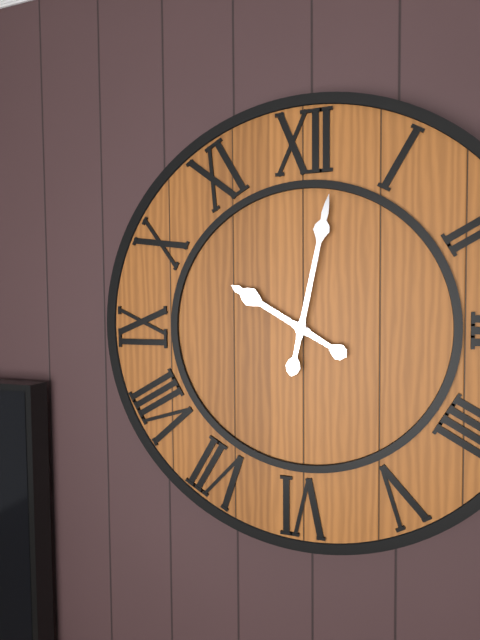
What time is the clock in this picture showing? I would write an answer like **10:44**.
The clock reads **10:02**
